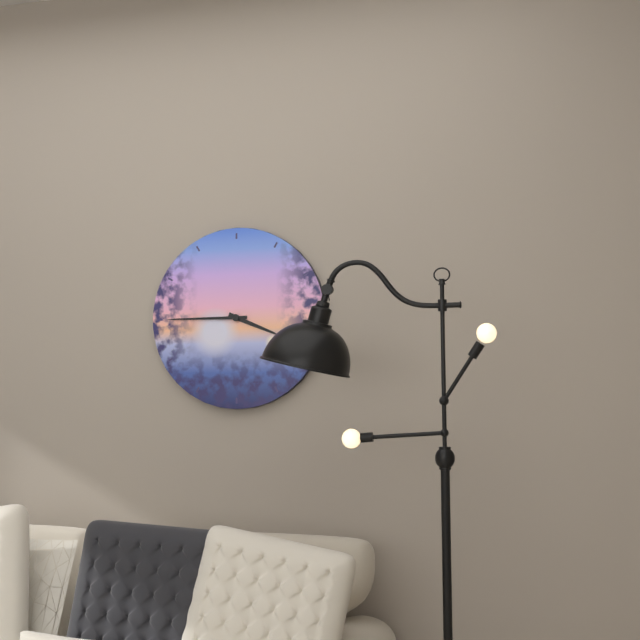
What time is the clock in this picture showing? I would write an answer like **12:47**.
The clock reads **3:45**
